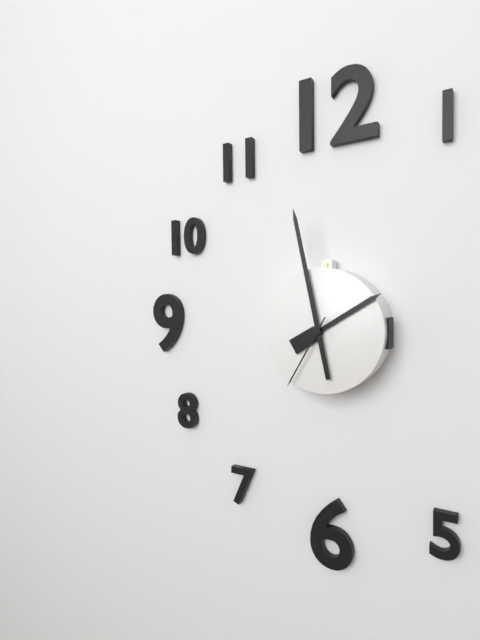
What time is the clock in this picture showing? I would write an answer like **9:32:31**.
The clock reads **1:58:35**
